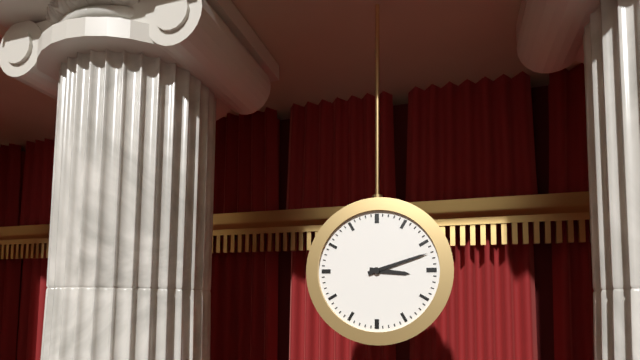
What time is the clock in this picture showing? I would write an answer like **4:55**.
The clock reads **3:12**
